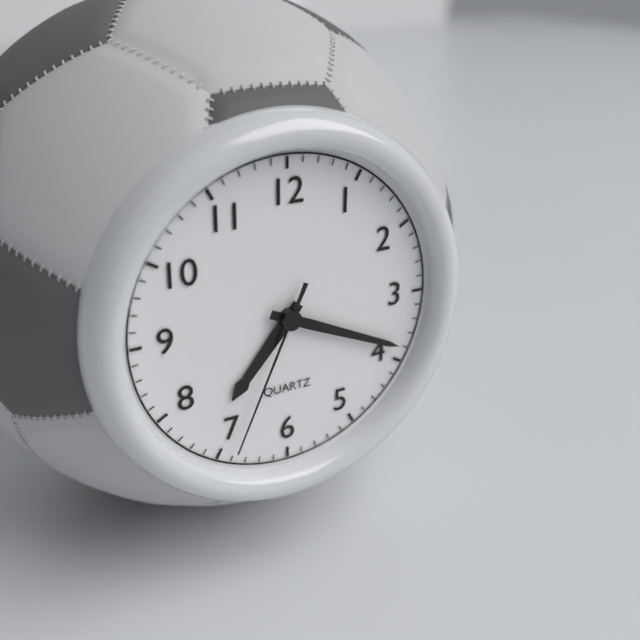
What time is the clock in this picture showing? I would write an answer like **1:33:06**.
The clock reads **7:19:34**
